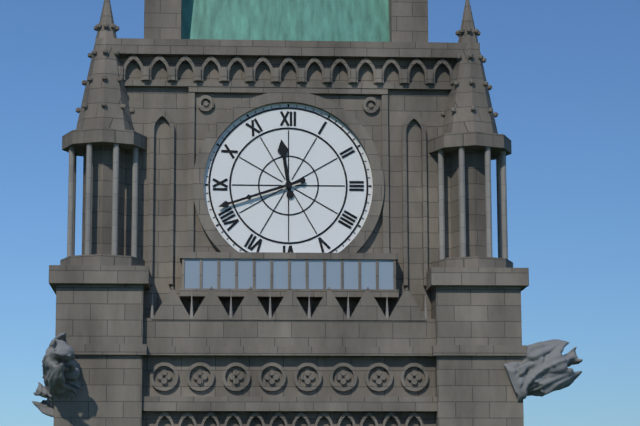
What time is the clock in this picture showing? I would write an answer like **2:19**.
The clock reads **11:42**
